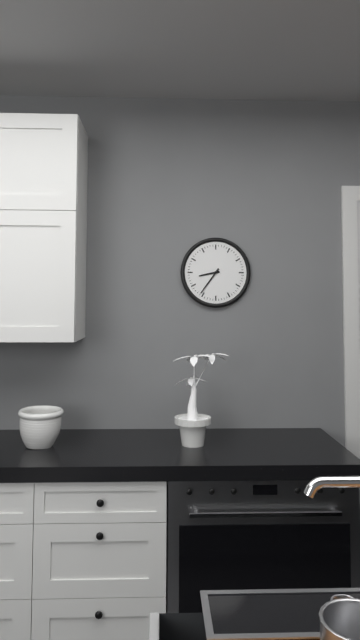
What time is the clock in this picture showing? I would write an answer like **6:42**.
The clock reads **8:36**
